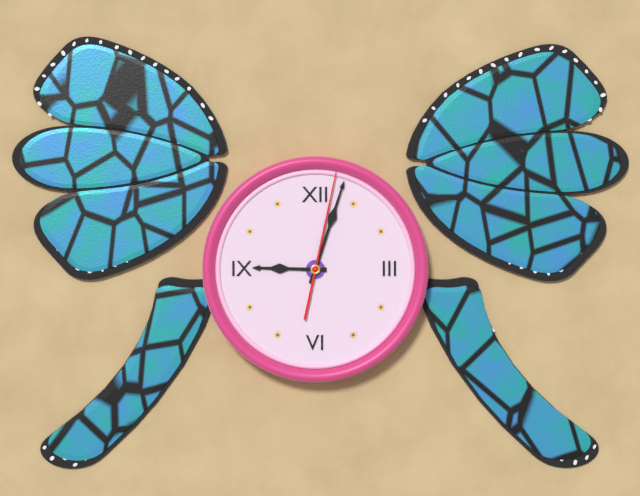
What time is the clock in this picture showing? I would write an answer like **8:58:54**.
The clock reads **9:03:02**
